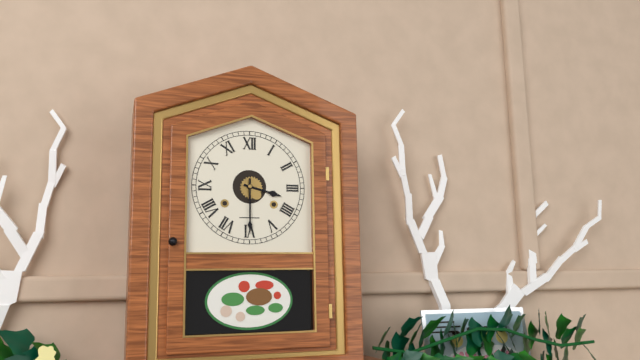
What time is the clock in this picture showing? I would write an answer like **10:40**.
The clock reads **3:30**
